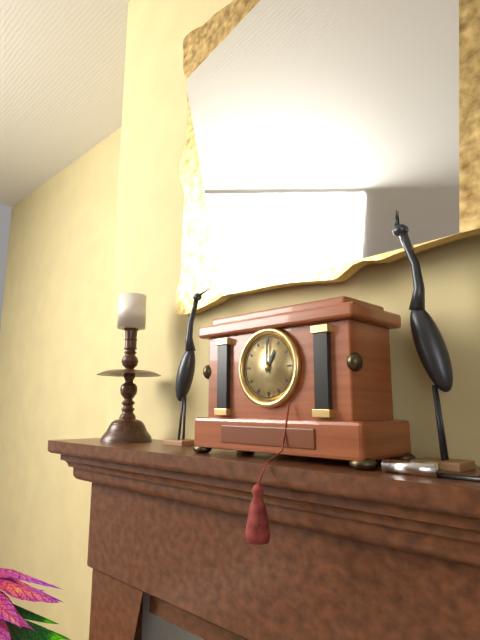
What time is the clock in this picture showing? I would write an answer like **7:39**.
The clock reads **1:00**
